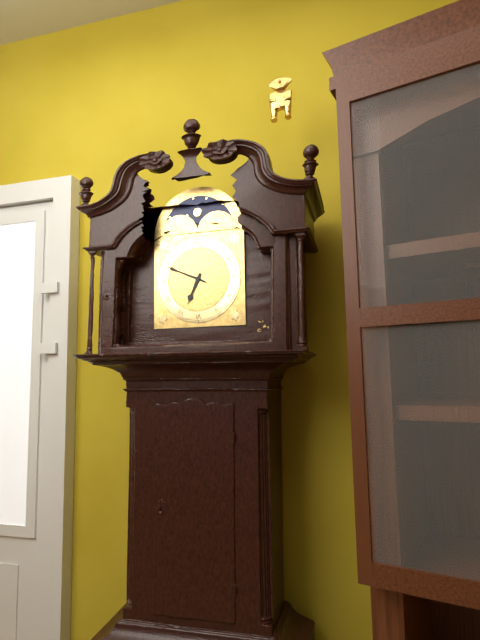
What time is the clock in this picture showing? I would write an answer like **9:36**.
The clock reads **6:49**
